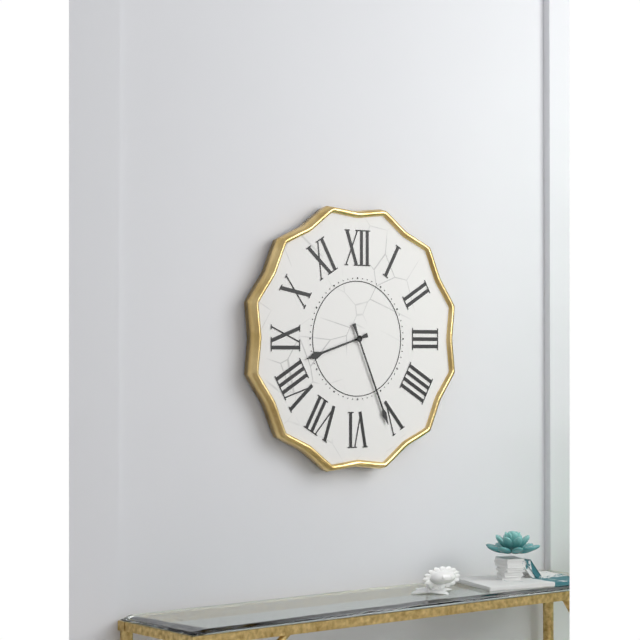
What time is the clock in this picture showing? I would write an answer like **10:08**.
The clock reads **8:26**
